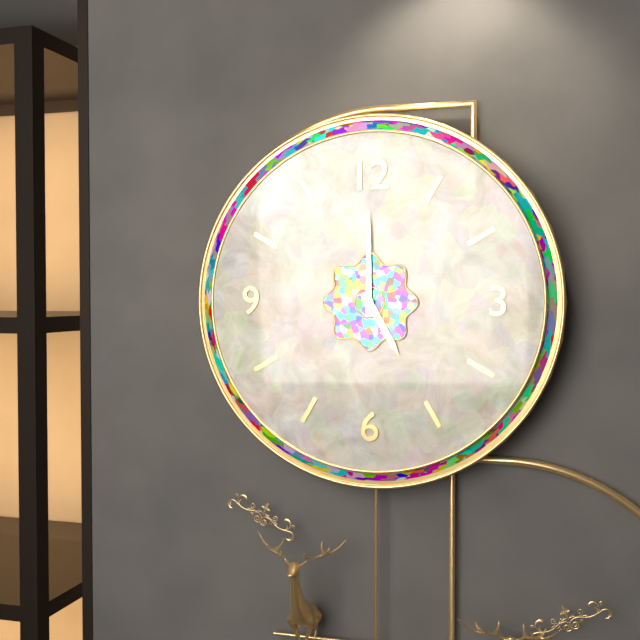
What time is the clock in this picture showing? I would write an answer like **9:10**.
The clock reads **5:00**
